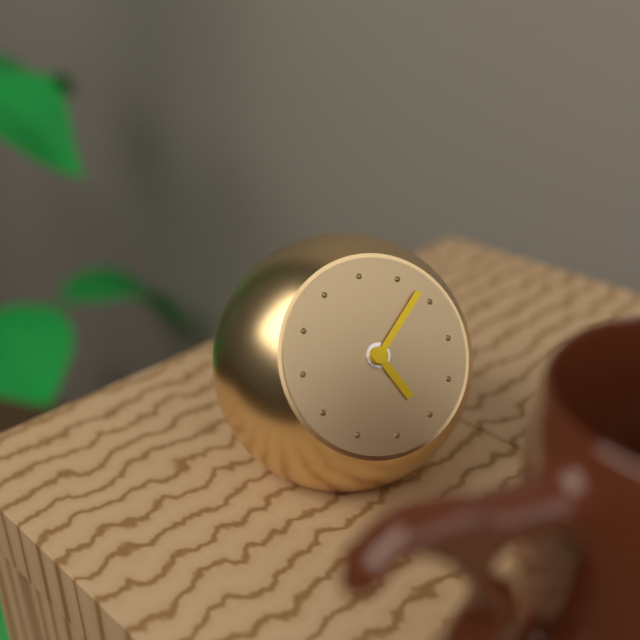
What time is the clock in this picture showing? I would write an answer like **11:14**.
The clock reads **5:08**
